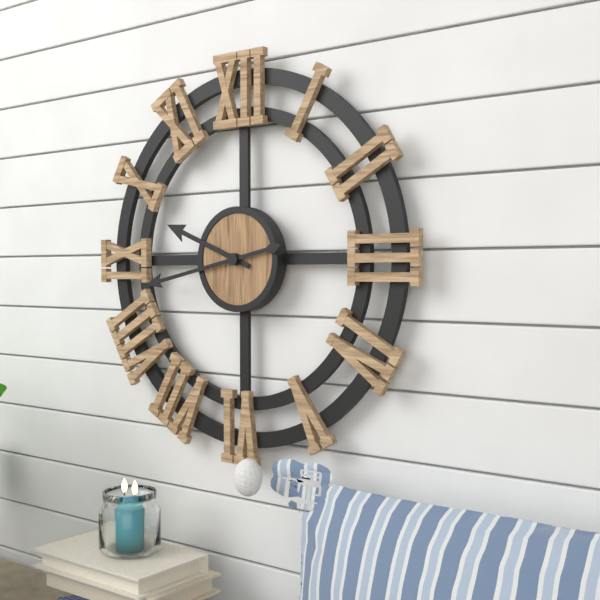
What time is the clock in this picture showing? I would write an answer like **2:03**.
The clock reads **9:43**
